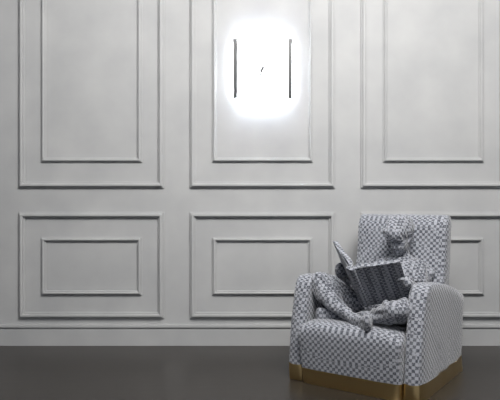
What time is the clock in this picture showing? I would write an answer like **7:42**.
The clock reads **6:37**
